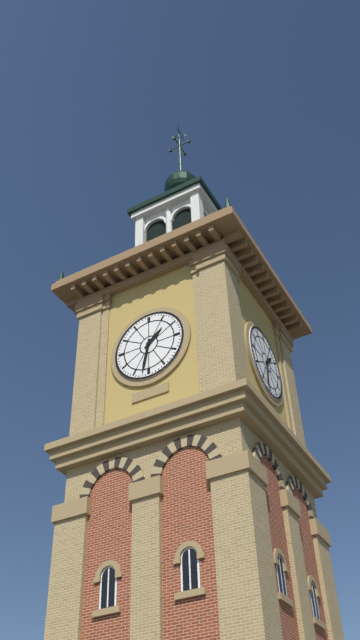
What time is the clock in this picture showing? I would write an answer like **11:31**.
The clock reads **1:32**
